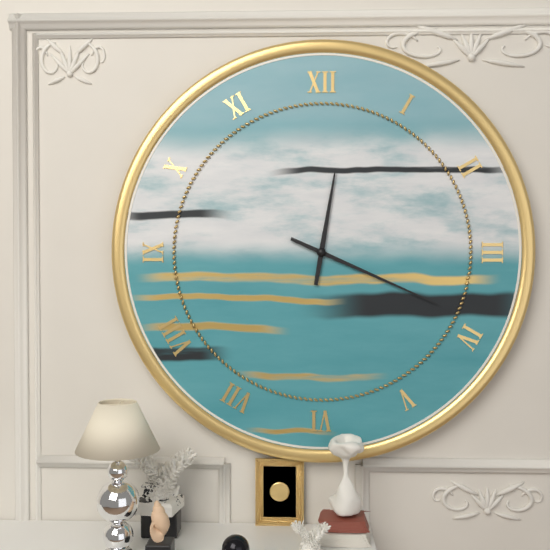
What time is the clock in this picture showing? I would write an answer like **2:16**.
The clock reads **12:19**
